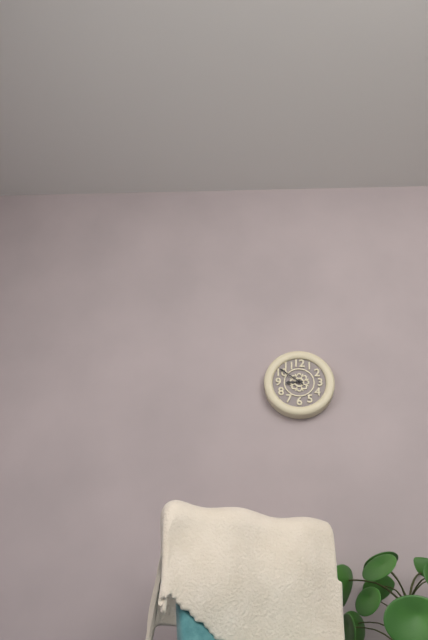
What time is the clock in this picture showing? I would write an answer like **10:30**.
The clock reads **8:51**
